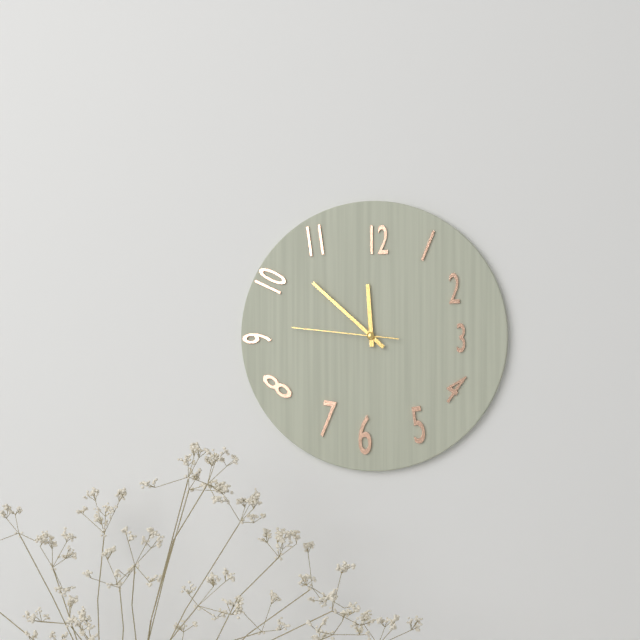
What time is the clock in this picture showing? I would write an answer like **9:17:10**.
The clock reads **11:52:46**
